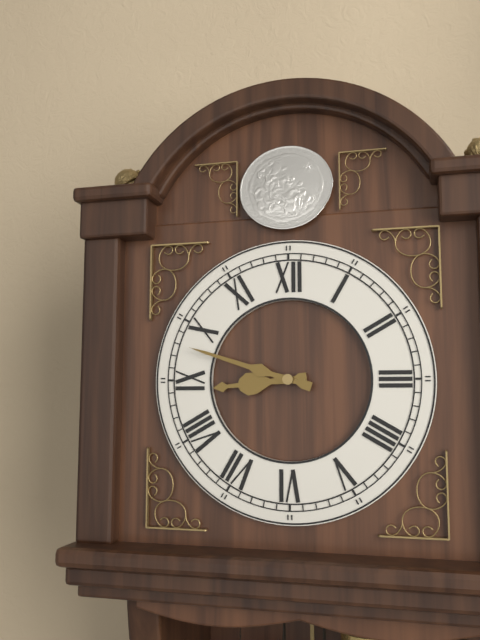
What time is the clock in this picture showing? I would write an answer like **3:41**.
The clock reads **8:48**
